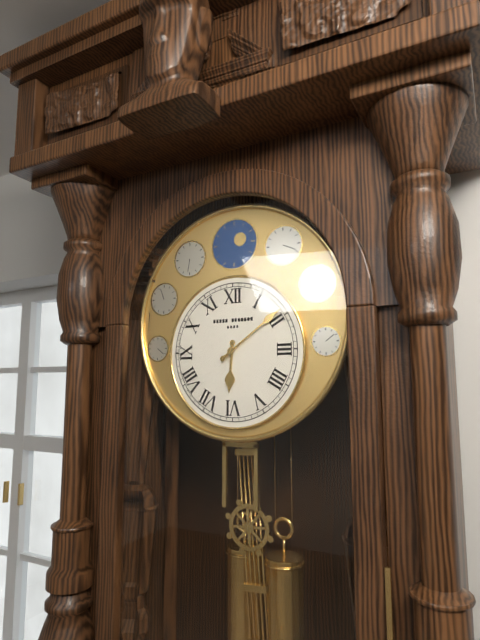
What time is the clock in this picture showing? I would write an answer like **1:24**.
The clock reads **6:09**
